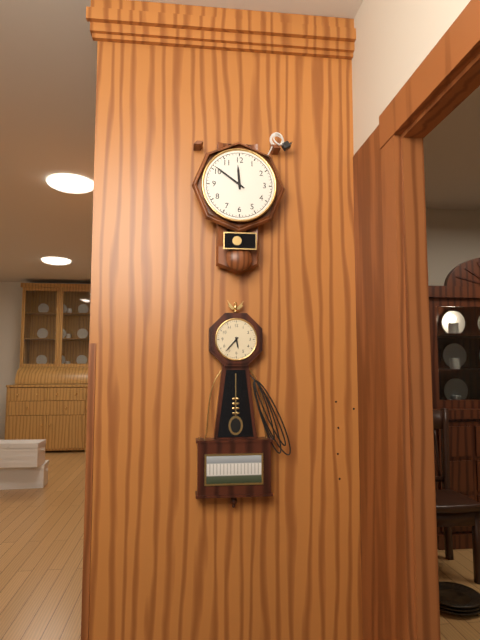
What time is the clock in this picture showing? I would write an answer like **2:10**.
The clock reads **11:51**
